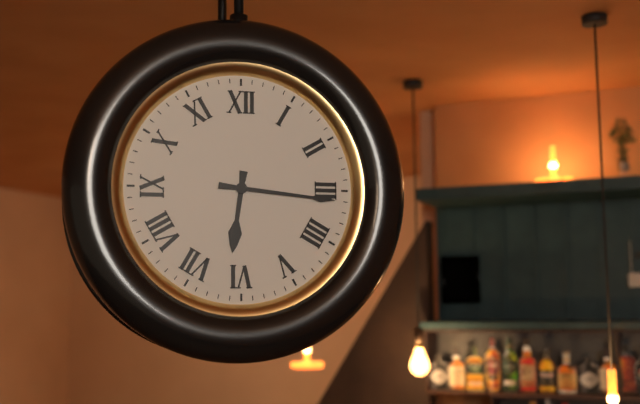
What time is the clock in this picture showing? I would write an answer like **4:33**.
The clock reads **6:16**
